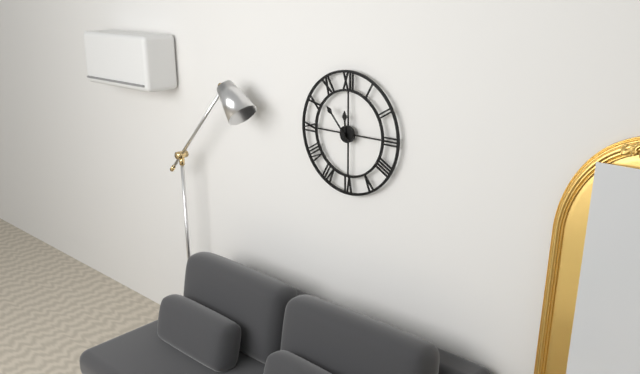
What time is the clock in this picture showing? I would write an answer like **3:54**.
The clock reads **11:53**
